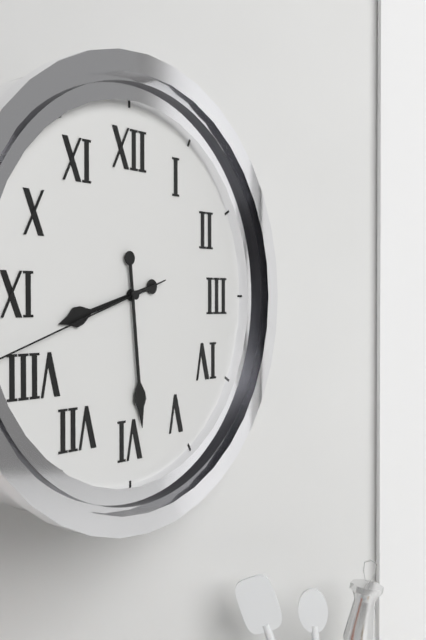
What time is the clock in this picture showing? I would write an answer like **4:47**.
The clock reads **8:29**
